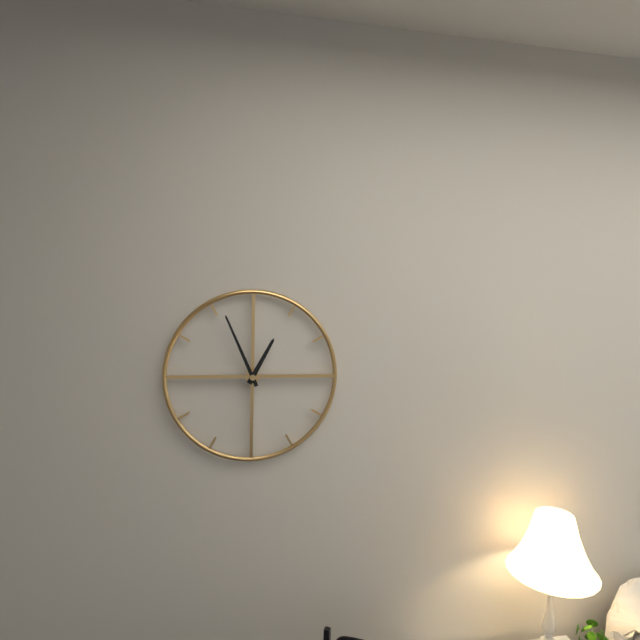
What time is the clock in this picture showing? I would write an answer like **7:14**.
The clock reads **12:56**
